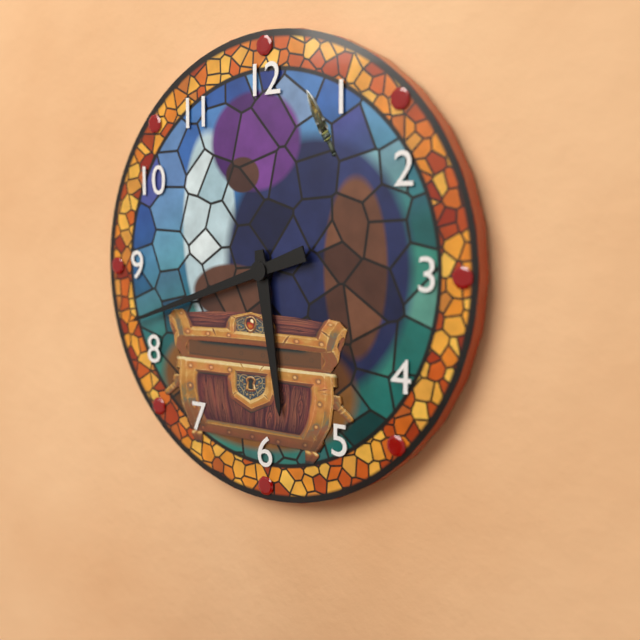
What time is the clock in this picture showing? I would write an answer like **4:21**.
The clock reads **5:42**
